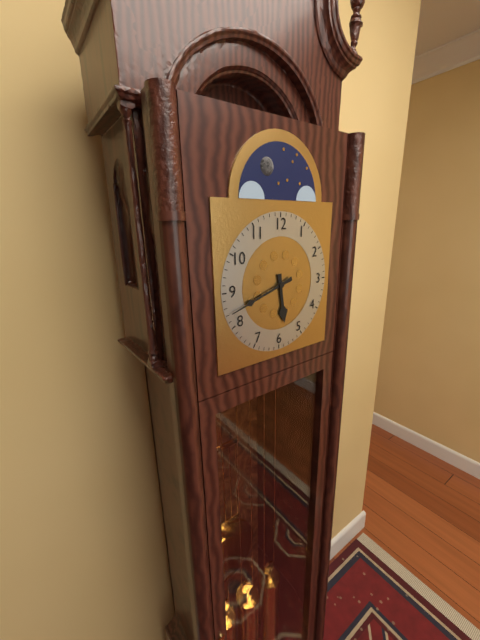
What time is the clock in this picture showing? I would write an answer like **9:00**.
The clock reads **5:42**
